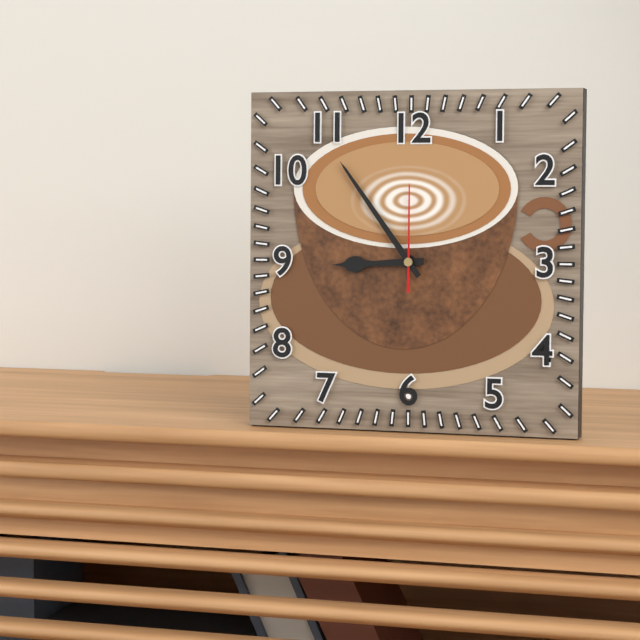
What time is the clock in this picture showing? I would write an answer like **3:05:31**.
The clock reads **8:54:00**
